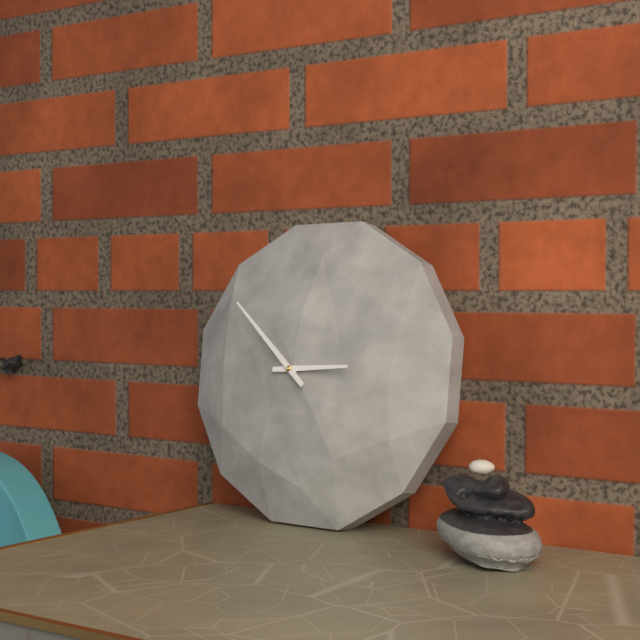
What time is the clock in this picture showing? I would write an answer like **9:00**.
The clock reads **2:52**
